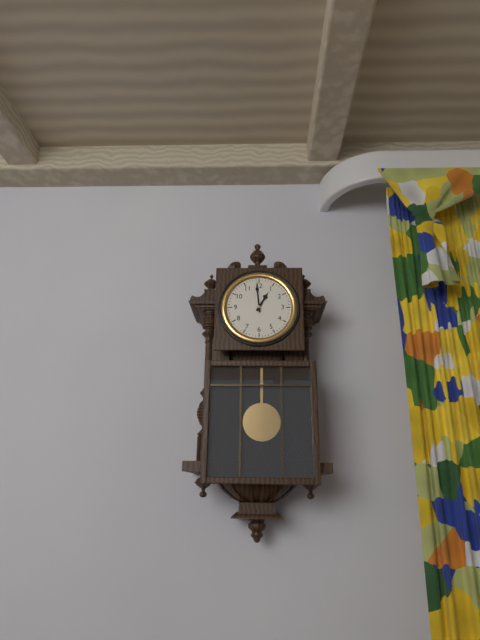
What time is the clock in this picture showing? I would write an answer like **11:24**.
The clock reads **12:59**
